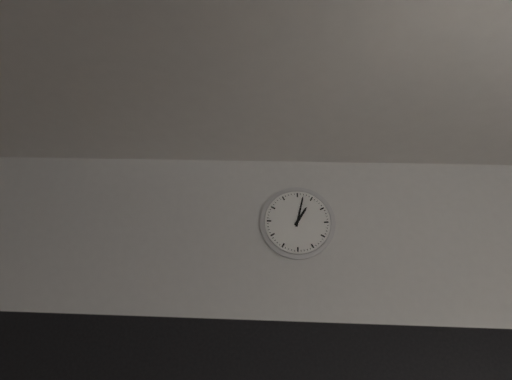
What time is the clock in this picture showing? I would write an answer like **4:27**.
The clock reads **1:02**
